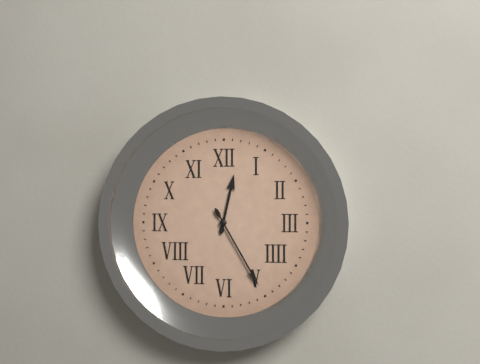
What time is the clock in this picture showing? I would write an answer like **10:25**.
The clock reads **12:25**
